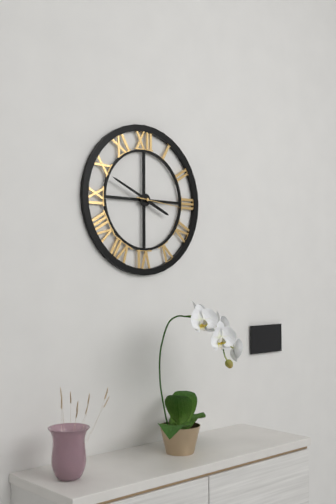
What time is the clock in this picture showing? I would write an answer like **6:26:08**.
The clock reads **3:49:16**
